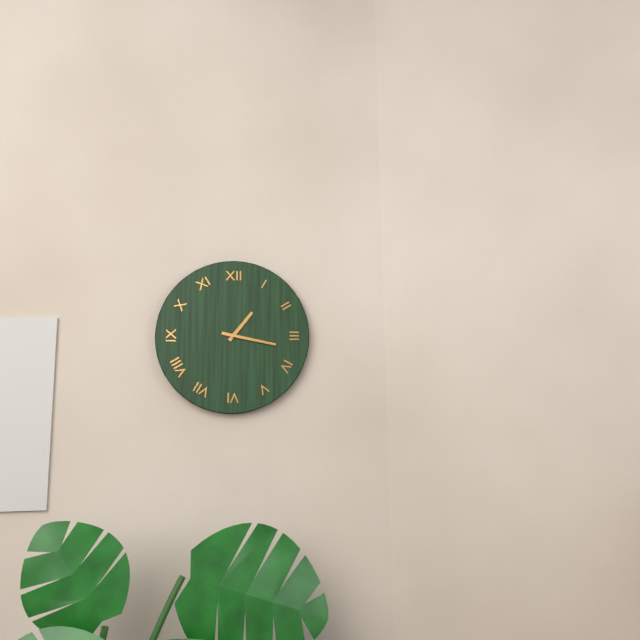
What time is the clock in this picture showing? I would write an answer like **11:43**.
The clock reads **1:17**
